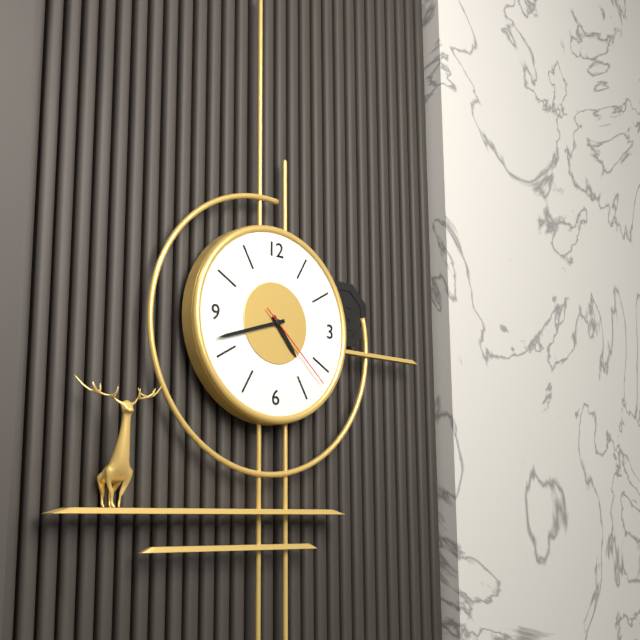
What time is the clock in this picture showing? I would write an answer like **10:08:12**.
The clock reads **4:42:22**
